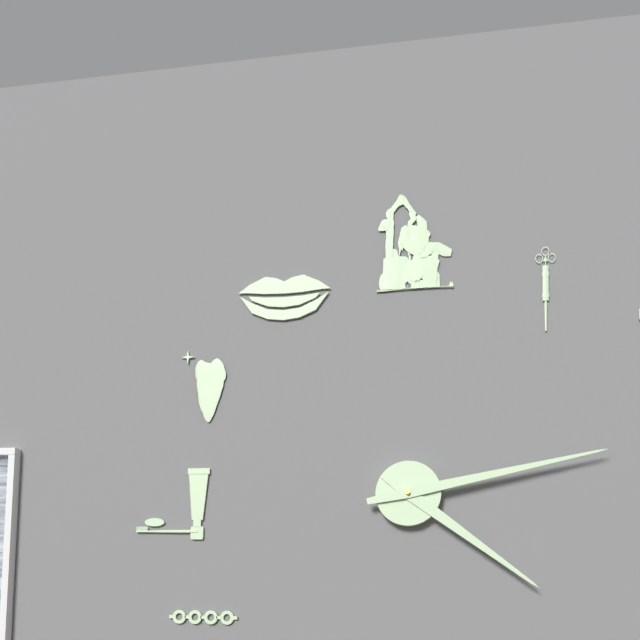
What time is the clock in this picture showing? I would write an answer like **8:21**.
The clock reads **4:13**
